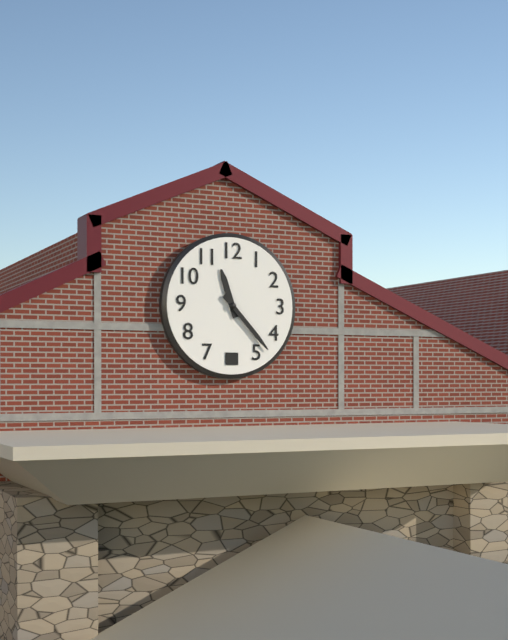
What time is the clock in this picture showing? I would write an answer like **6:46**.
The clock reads **11:23**
